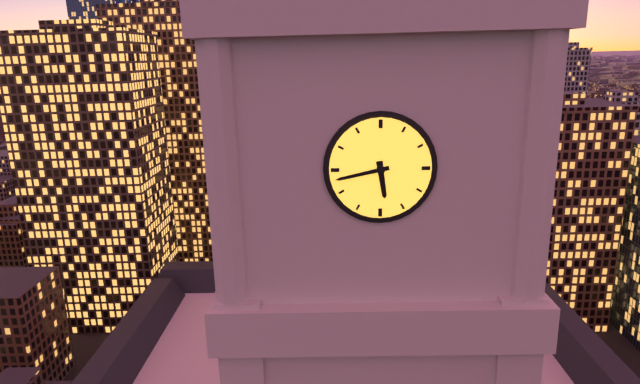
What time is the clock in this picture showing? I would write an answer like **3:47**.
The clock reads **5:43**
